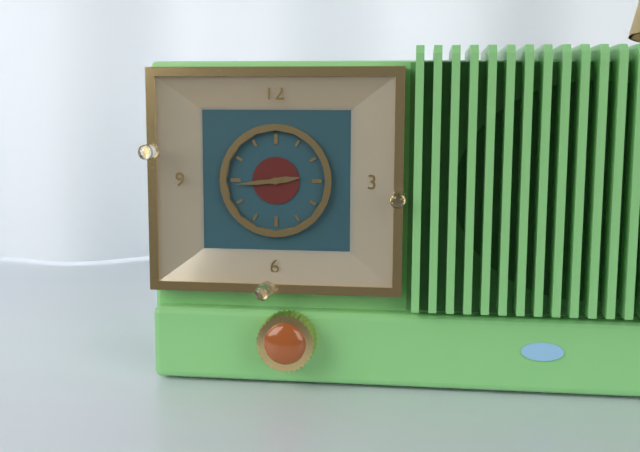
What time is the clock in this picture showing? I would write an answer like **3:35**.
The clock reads **2:44**
